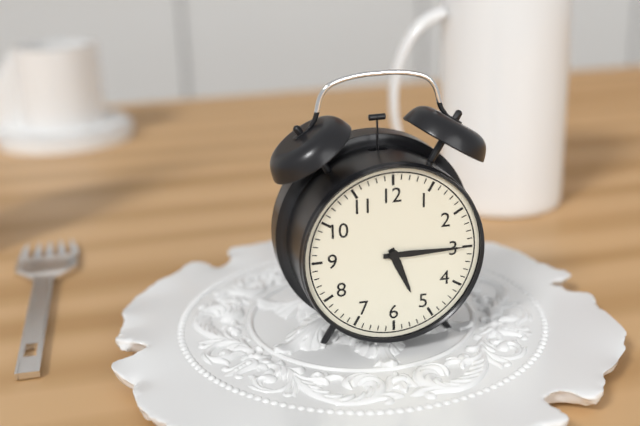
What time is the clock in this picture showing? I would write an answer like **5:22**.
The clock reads **5:15**
